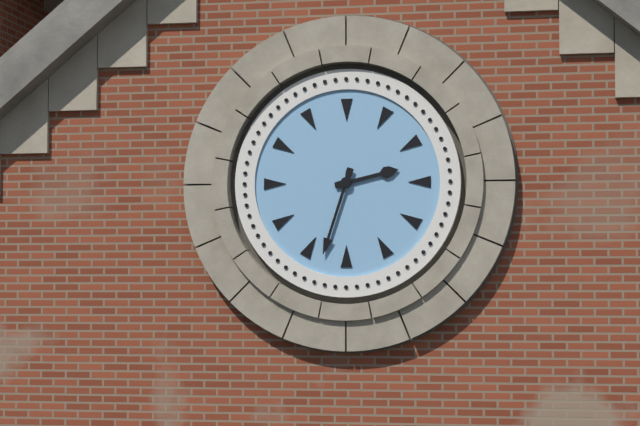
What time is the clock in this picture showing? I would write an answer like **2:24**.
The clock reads **2:33**
